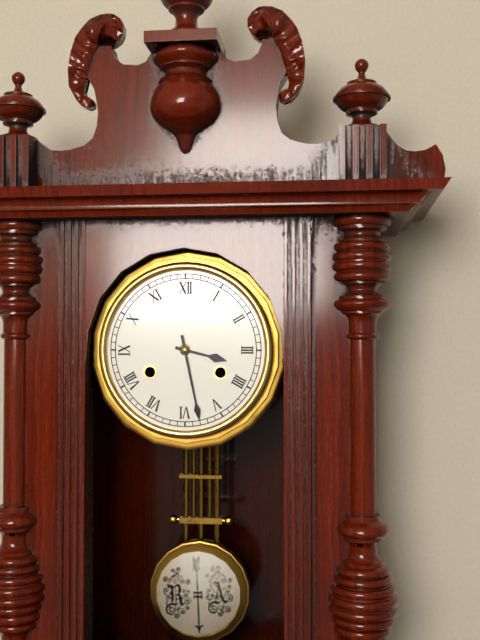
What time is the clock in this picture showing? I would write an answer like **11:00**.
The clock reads **3:28**
